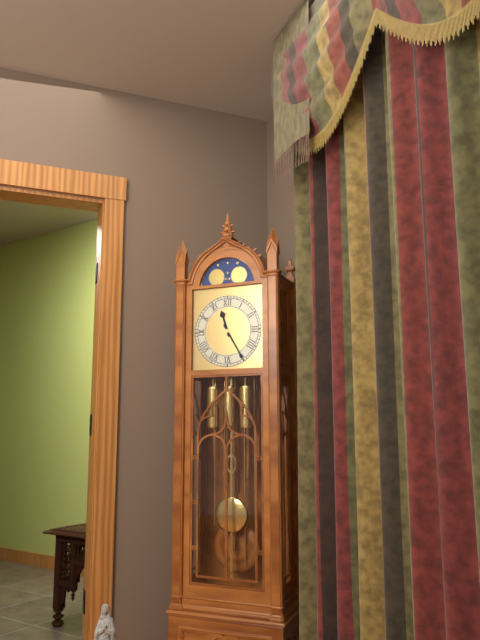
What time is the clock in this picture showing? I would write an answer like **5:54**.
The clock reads **11:25**
